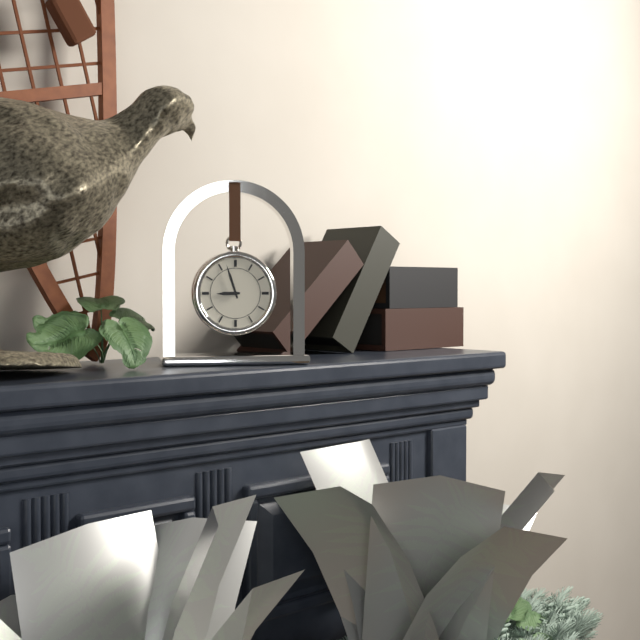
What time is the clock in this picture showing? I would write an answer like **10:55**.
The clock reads **8:57**
